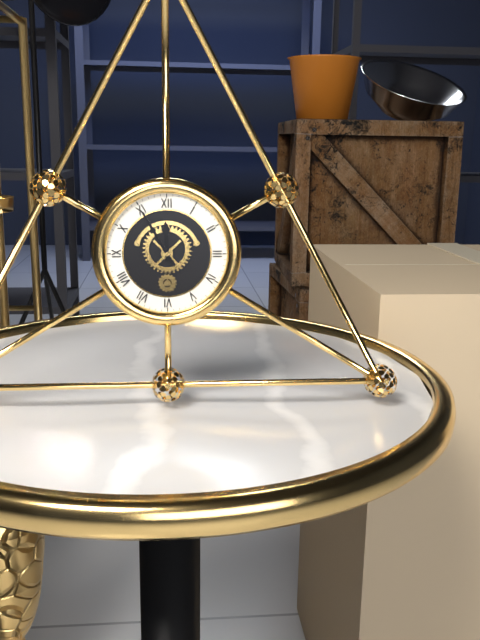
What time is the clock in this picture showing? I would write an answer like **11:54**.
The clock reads **11:55**
